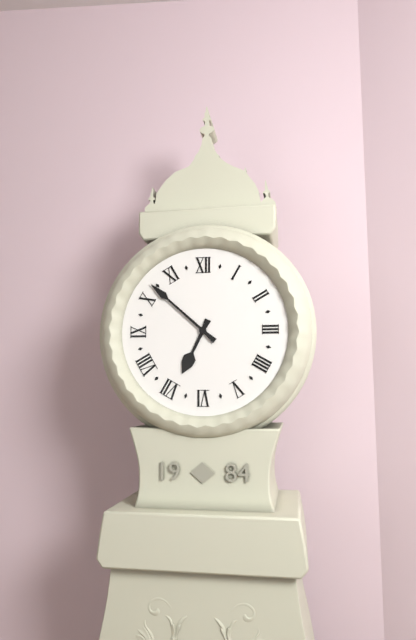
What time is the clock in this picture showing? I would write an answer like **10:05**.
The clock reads **6:52**
